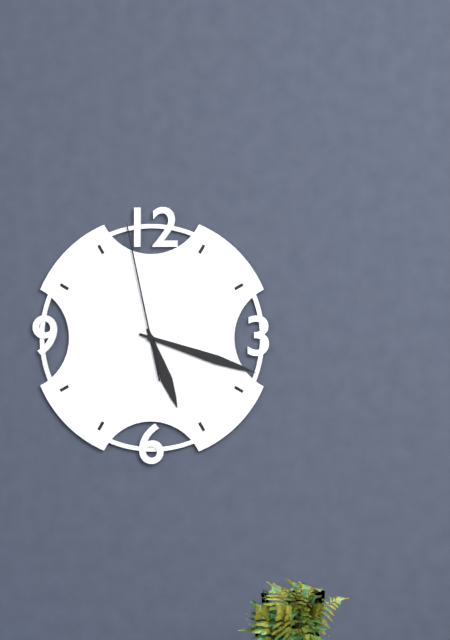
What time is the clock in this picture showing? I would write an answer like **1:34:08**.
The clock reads **5:18:58**
